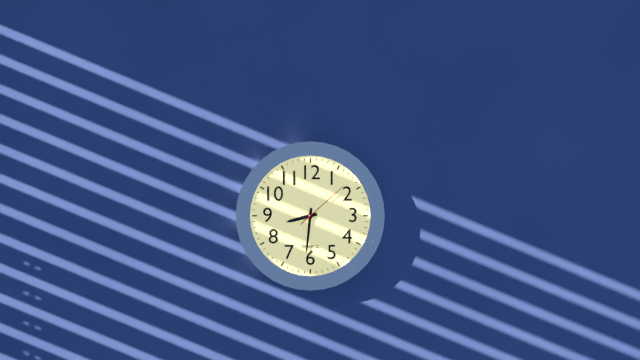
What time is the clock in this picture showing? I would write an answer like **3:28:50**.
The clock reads **8:31:08**
